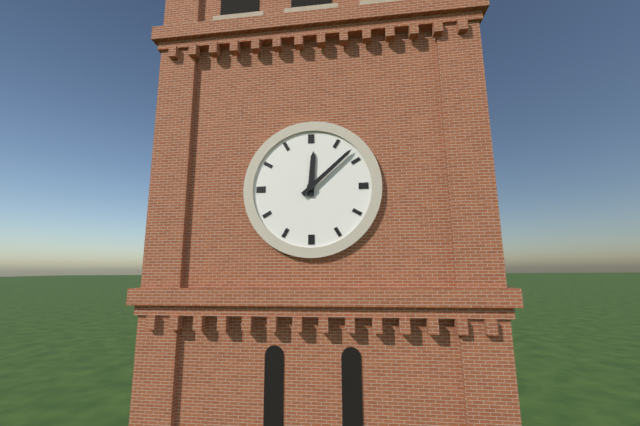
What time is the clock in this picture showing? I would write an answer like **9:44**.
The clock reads **12:08**
